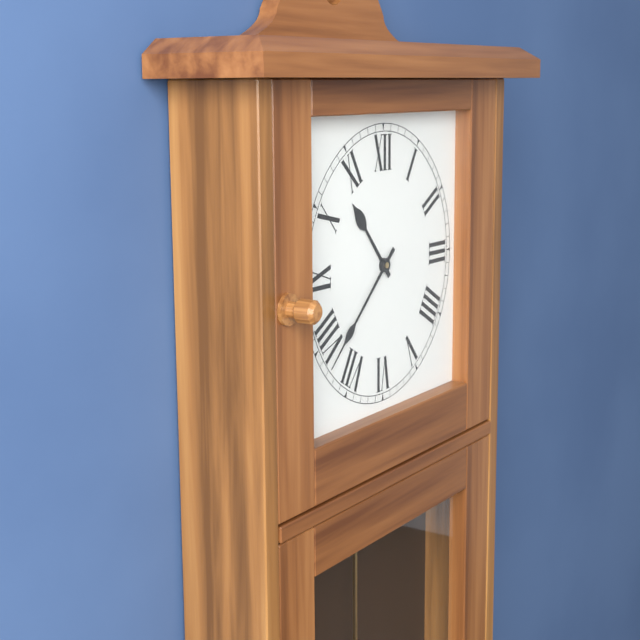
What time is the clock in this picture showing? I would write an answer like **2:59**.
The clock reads **10:38**
